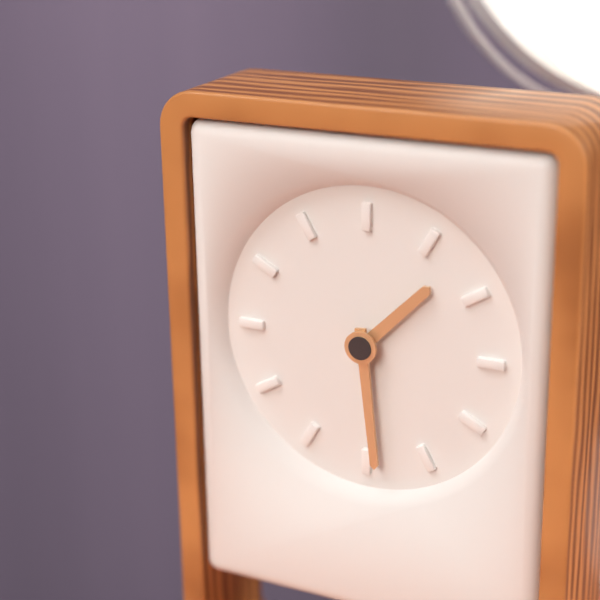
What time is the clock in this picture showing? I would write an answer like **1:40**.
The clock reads **1:29**
